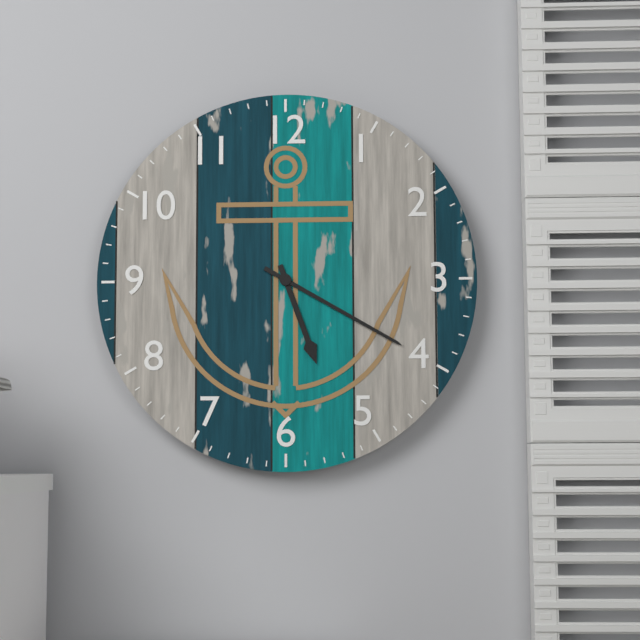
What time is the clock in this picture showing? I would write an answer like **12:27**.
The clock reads **5:20**
